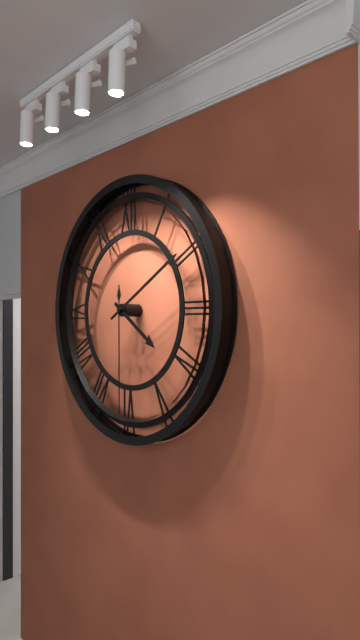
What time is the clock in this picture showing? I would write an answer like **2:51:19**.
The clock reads **4:10:30**
